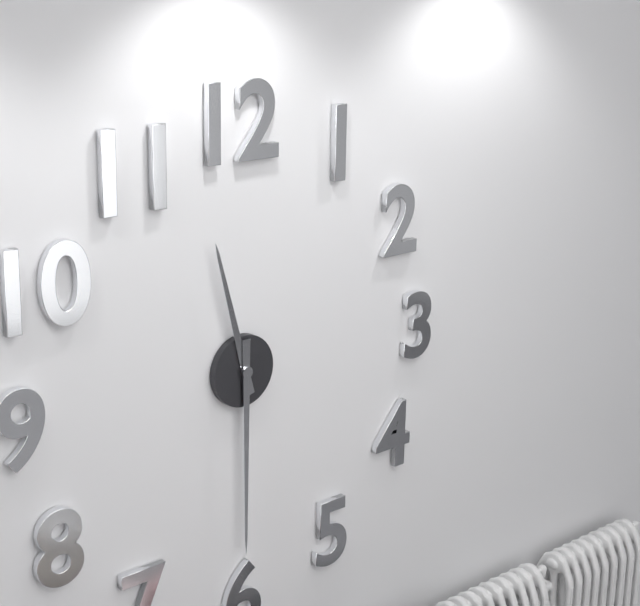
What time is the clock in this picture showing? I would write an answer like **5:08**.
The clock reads **11:30**
